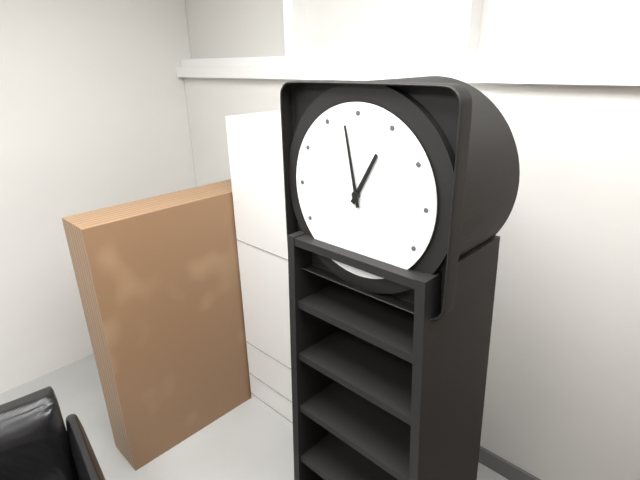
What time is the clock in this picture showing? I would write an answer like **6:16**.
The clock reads **12:58**
